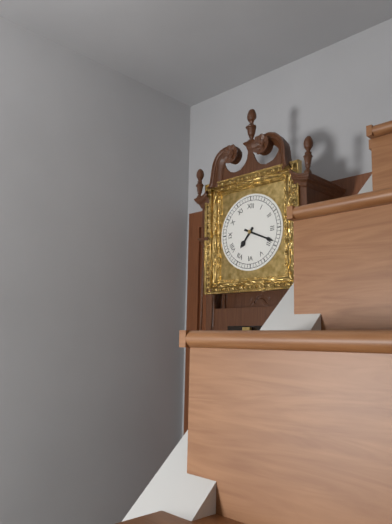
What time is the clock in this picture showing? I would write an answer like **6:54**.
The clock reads **7:19**
